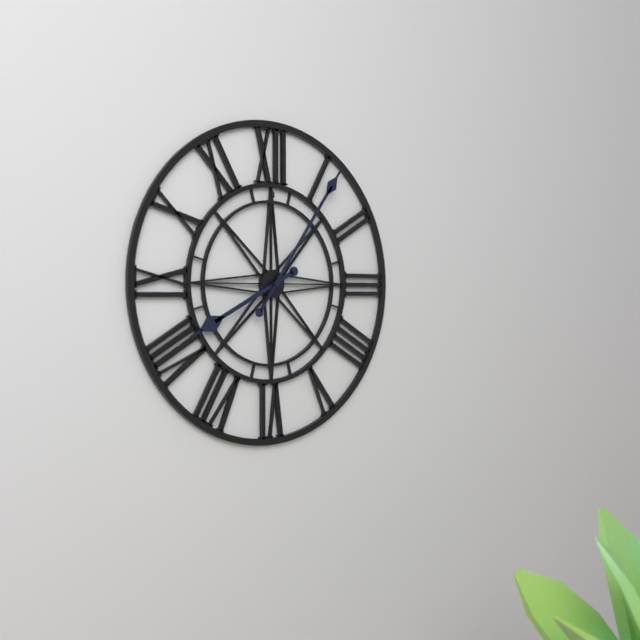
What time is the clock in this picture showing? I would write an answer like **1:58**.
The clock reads **8:06**
